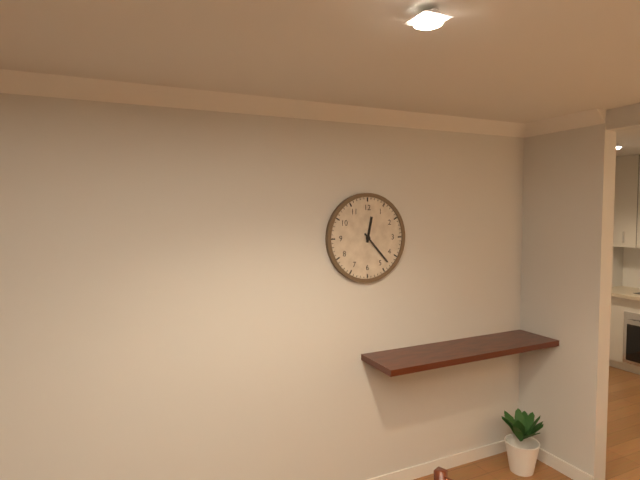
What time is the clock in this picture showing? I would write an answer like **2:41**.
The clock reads **12:23**
